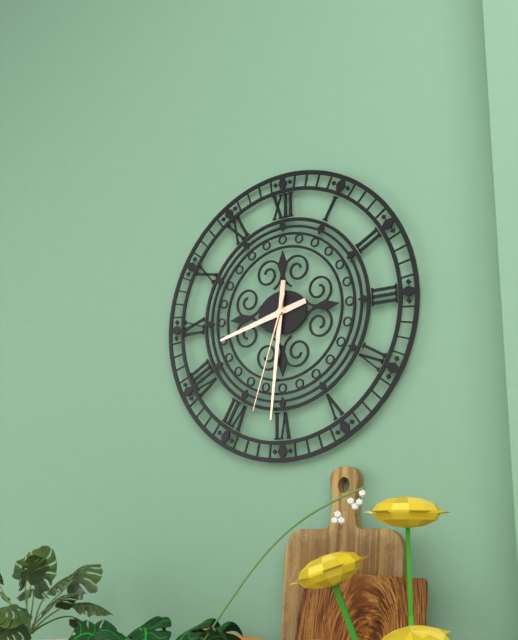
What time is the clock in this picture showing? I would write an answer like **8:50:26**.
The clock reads **8:31:33**
